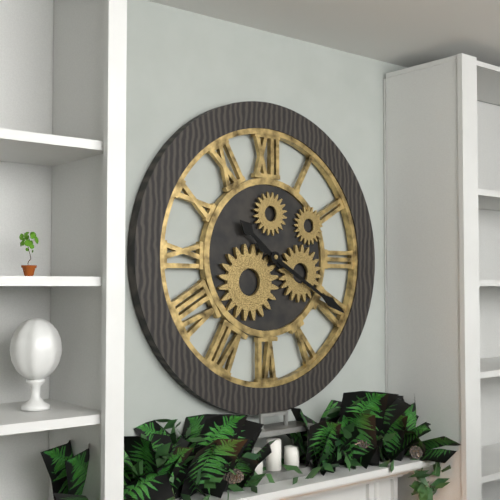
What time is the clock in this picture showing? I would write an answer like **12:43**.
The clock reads **10:20**
